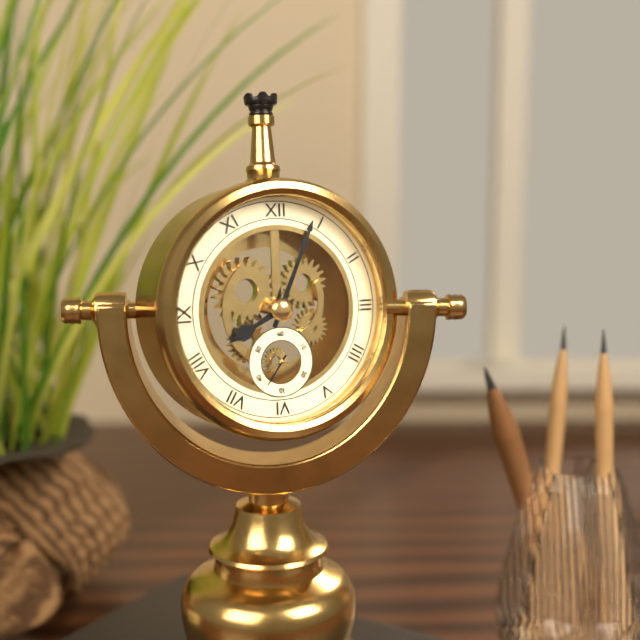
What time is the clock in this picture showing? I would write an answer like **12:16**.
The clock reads **8:04**
